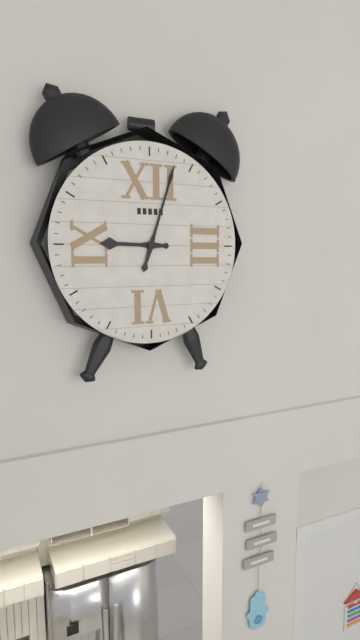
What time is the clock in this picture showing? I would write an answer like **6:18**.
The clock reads **9:03**
